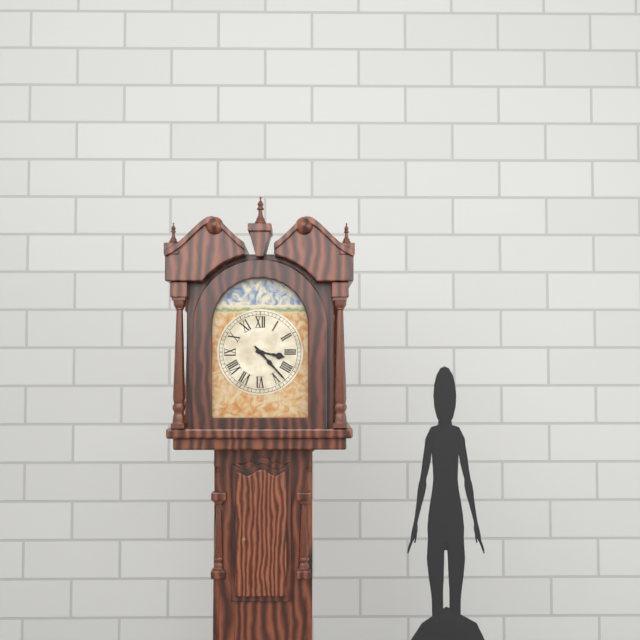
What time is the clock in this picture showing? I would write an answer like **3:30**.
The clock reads **3:23**
